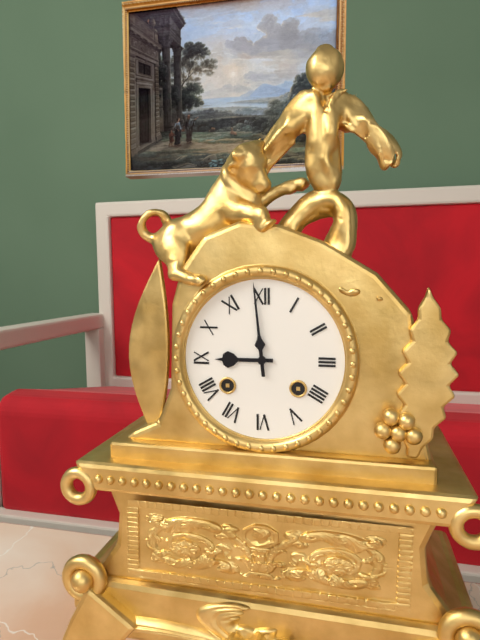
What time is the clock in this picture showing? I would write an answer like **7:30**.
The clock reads **8:59**
